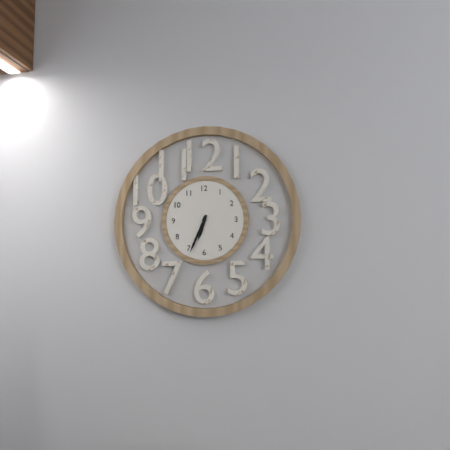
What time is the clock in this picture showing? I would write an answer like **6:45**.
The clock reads **6:34**
